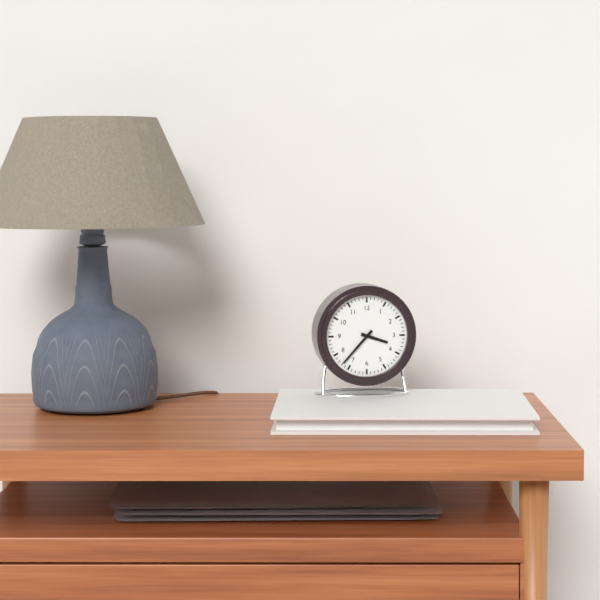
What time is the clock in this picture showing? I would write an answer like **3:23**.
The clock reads **3:37**
